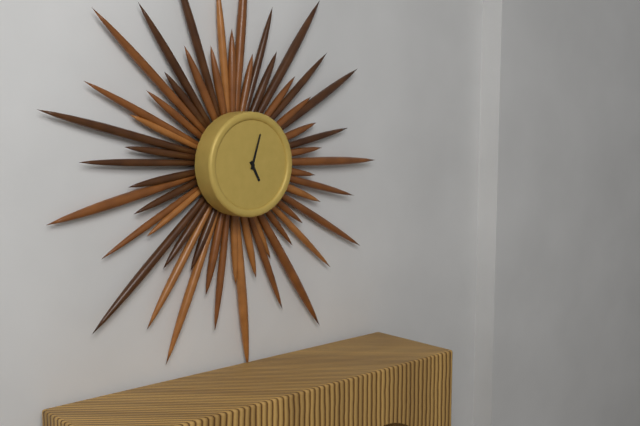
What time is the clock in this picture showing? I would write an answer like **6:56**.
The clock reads **5:03**
